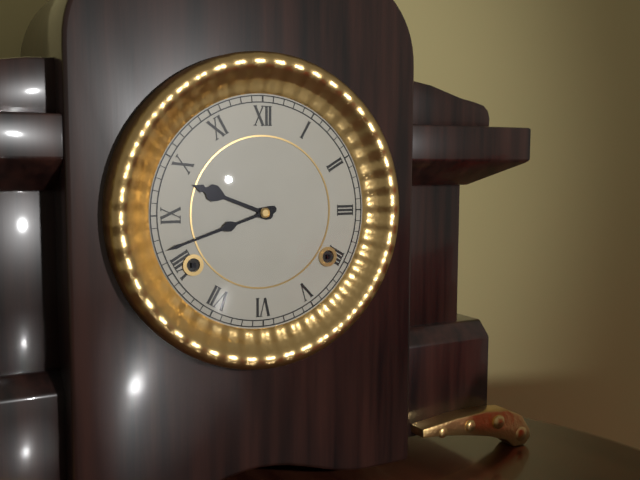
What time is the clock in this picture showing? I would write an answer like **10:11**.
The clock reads **9:42**
